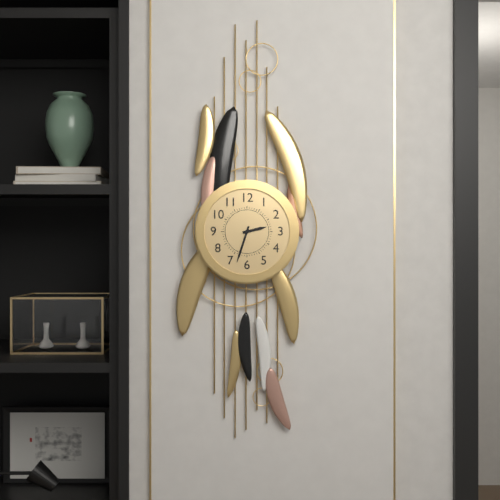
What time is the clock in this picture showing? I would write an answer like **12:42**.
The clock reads **2:33**
